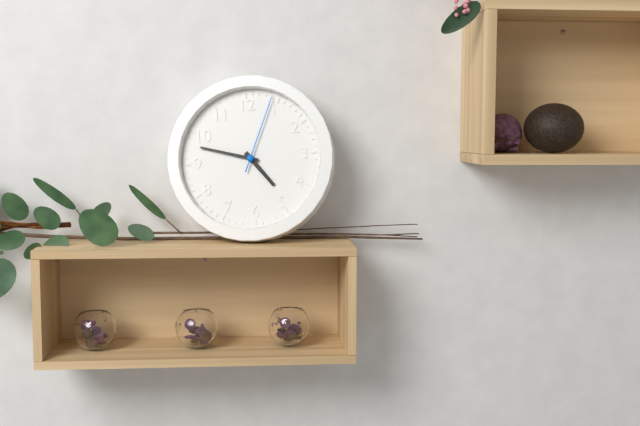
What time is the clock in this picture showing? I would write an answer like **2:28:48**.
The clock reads **4:48:04**
